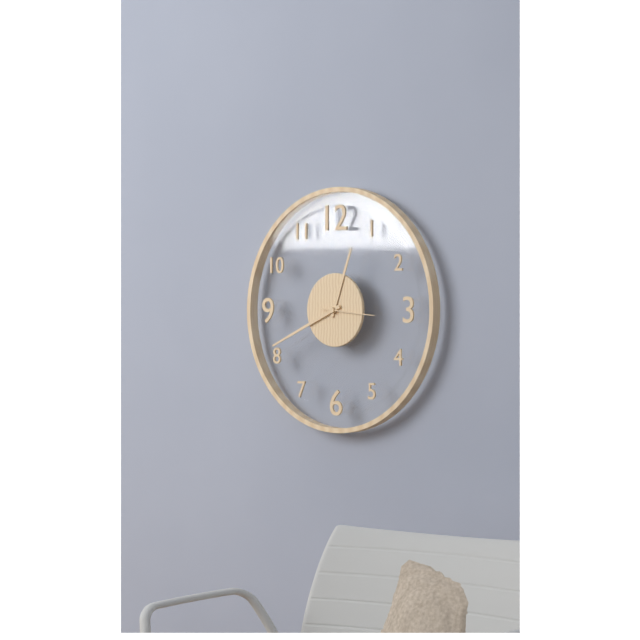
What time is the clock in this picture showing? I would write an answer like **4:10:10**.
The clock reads **12:41:16**
